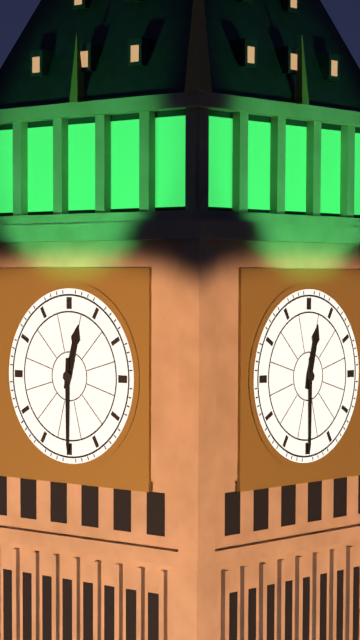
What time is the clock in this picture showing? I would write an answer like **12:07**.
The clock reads **12:30**
